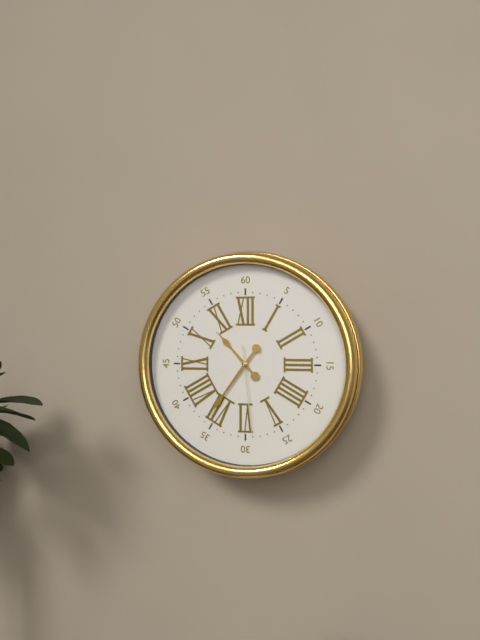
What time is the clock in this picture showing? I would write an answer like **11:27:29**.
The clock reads **10:36:29**
